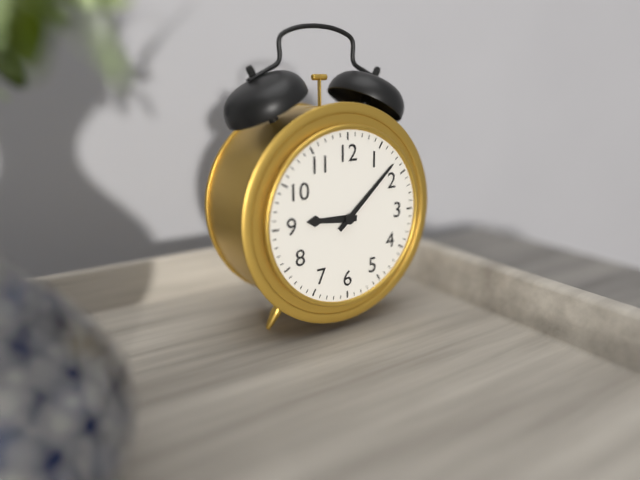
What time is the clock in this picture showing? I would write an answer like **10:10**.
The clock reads **9:08**
